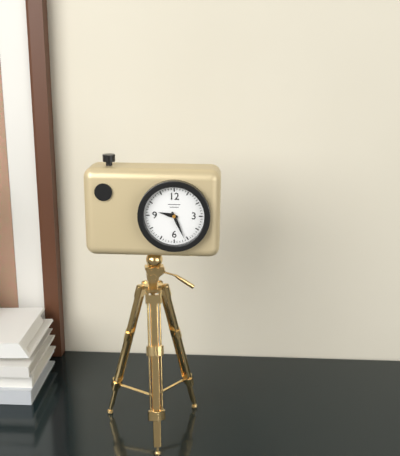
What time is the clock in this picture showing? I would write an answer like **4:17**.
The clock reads **9:26**
